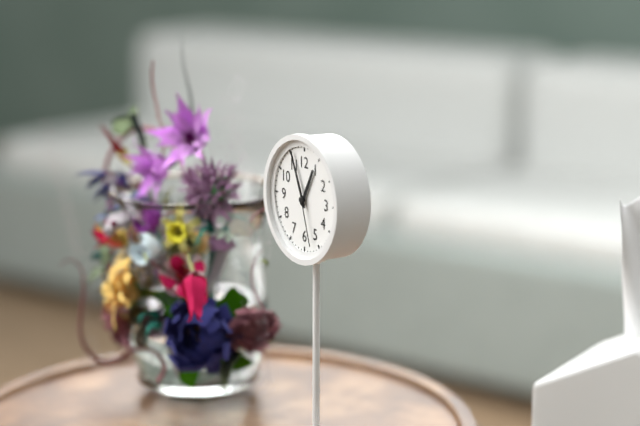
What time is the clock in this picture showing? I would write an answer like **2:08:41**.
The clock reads **12:56:27**
